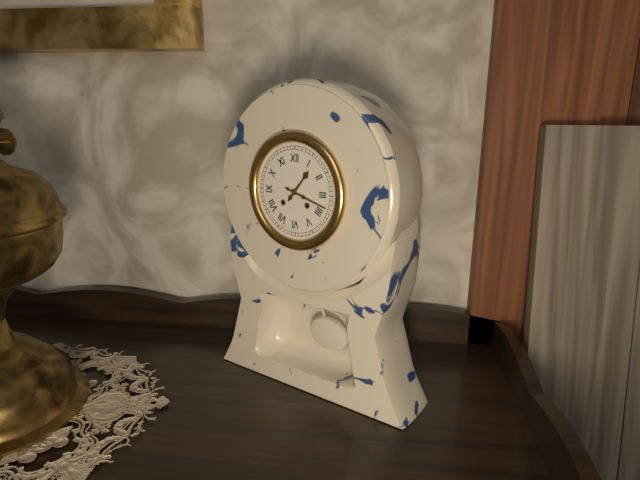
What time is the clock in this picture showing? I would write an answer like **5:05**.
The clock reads **1:18**
